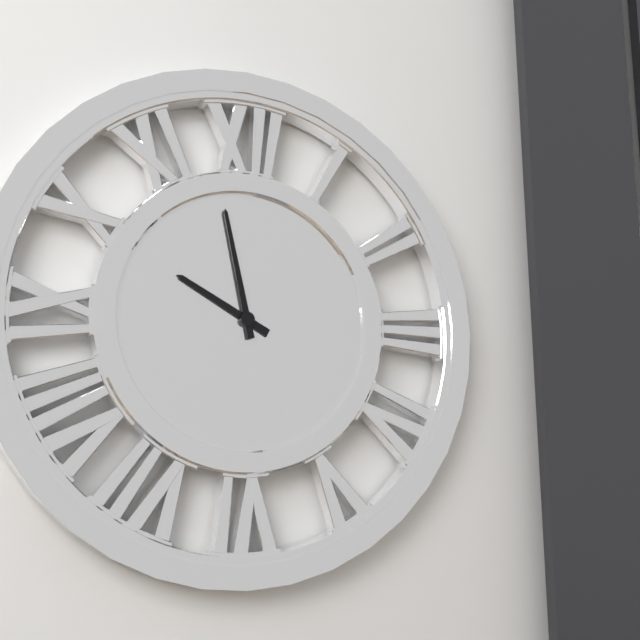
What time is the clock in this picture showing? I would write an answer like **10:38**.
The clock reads **9:58**
